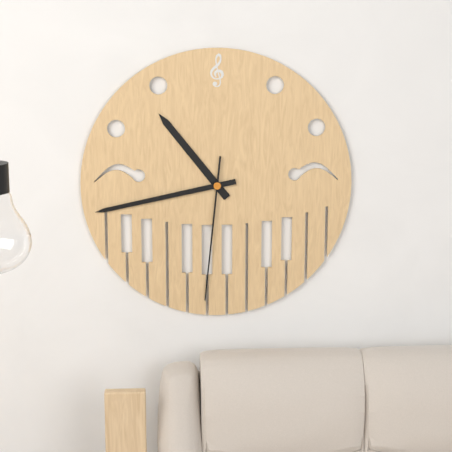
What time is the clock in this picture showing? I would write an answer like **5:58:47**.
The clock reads **10:43:31**
